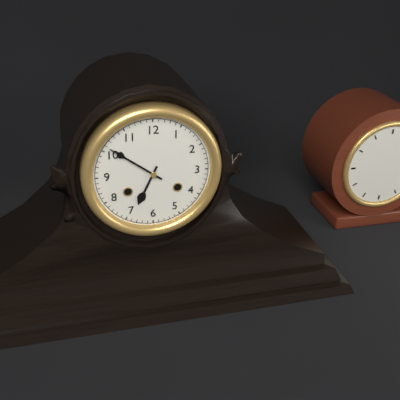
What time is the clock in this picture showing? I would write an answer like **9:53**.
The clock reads **6:51**
